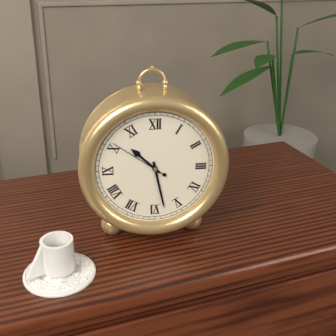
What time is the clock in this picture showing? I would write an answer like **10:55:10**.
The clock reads **10:28:51**
